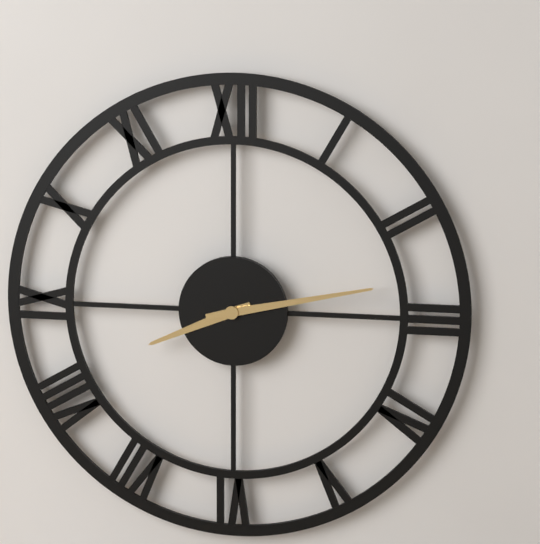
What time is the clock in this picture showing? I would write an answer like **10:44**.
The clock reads **8:13**
